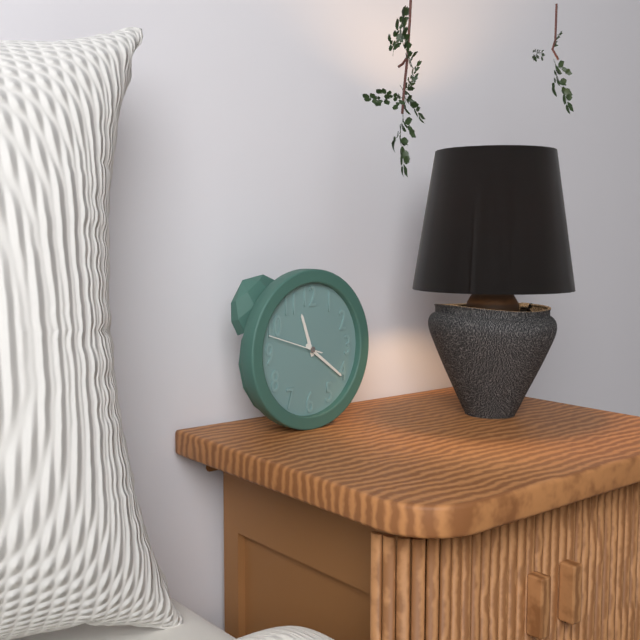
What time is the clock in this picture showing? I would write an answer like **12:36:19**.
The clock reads **11:21:48**
